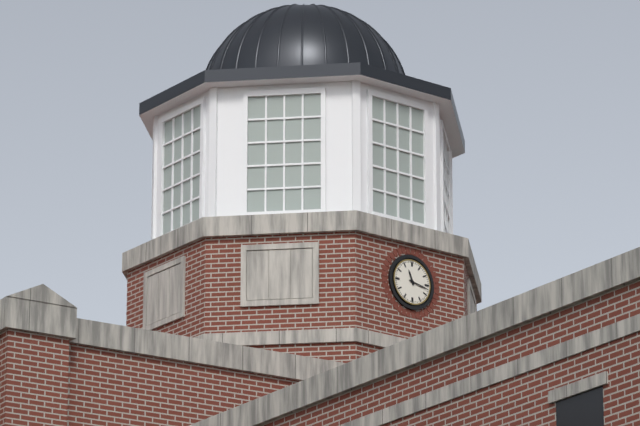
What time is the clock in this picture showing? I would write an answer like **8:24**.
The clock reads **11:17**
